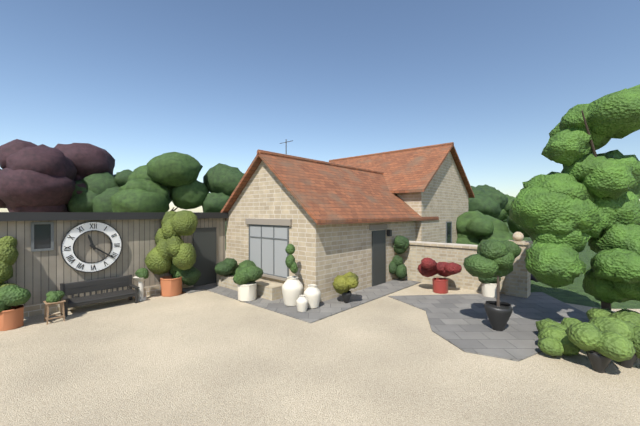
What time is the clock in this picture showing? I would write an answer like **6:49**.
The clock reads **11:21**
